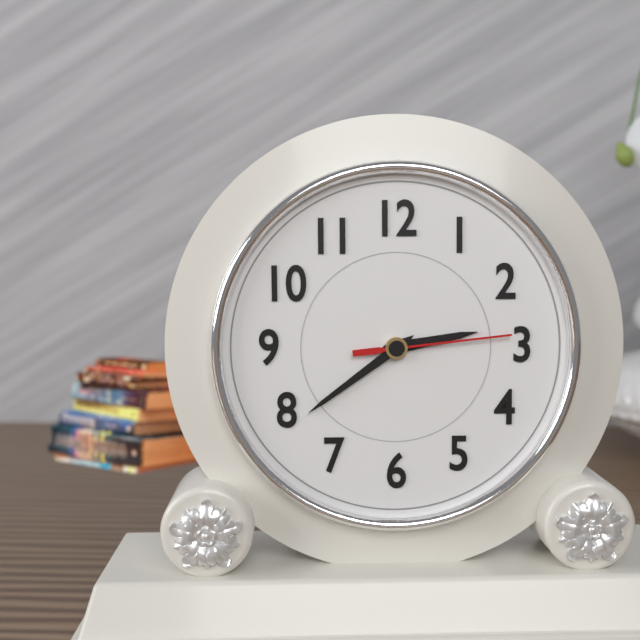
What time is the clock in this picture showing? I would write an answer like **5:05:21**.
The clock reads **2:39:14**
